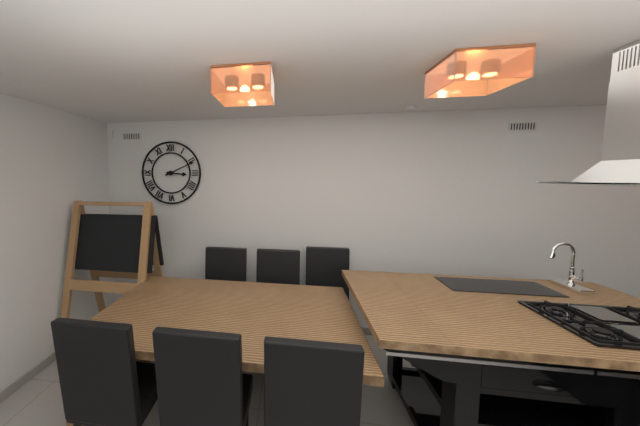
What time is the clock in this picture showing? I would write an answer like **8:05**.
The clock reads **3:11**
